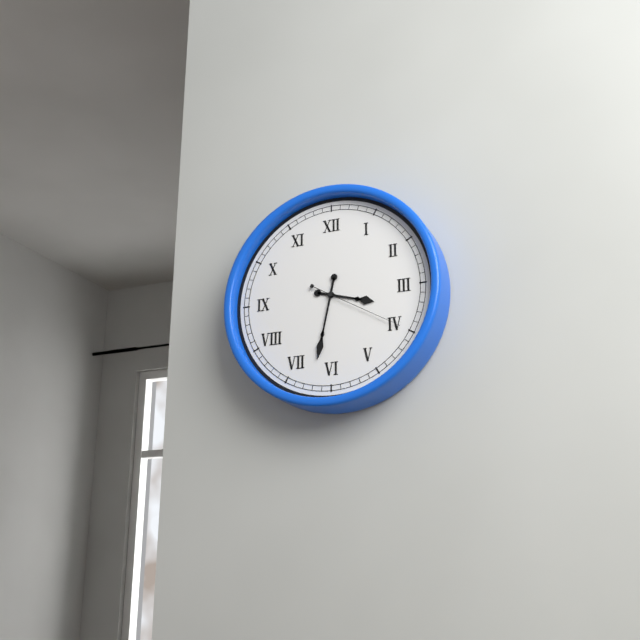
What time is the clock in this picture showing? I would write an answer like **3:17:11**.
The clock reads **3:32:20**
